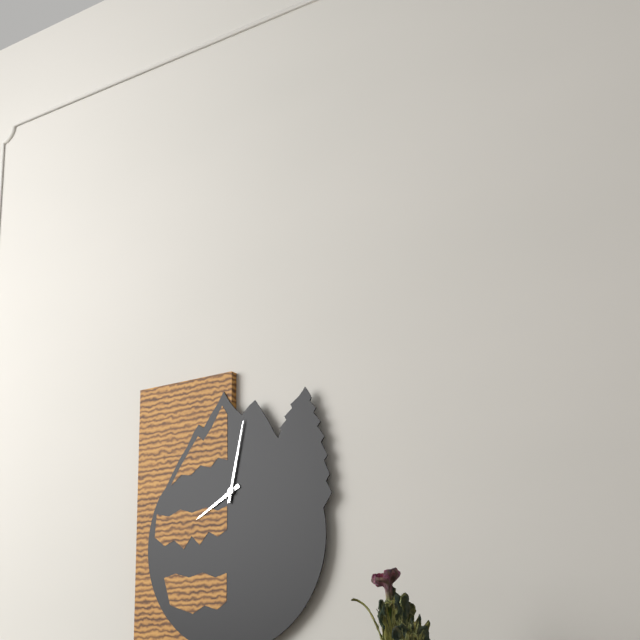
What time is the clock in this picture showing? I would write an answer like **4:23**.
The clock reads **8:02**
